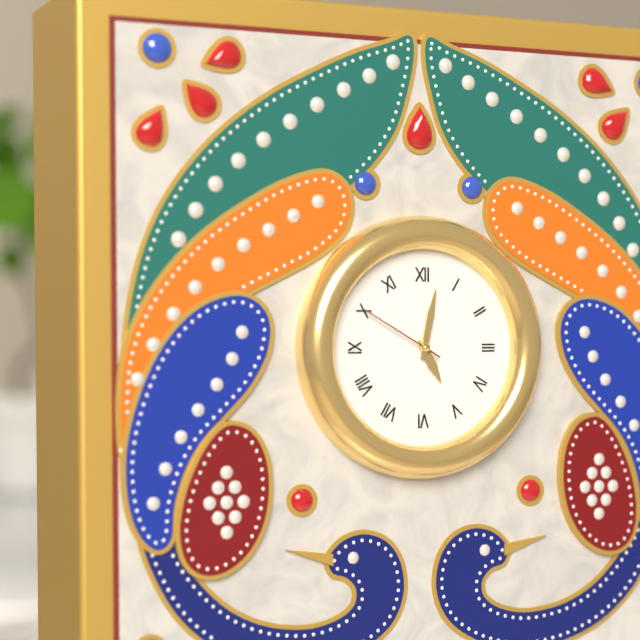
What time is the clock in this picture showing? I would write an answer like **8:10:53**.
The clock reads **5:02:50**
